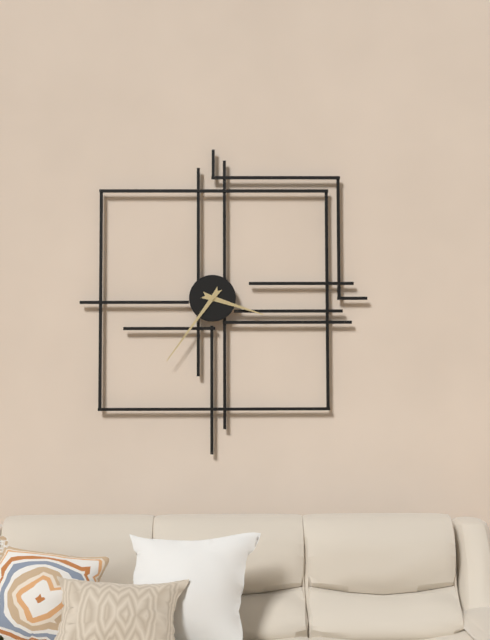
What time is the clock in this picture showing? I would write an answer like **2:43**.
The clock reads **3:36**
